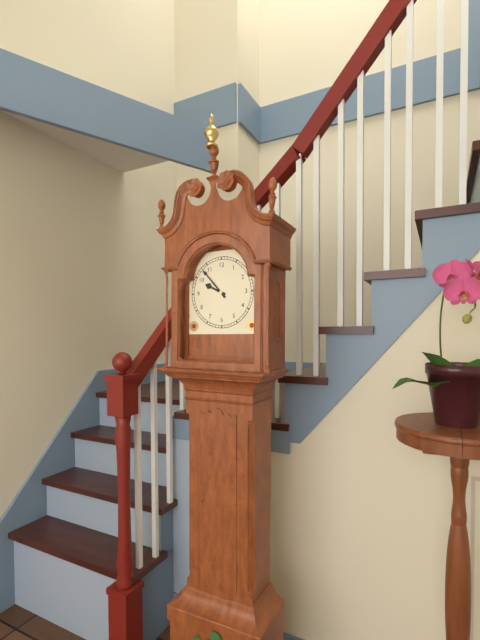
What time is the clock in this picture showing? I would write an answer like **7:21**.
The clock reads **9:53**
